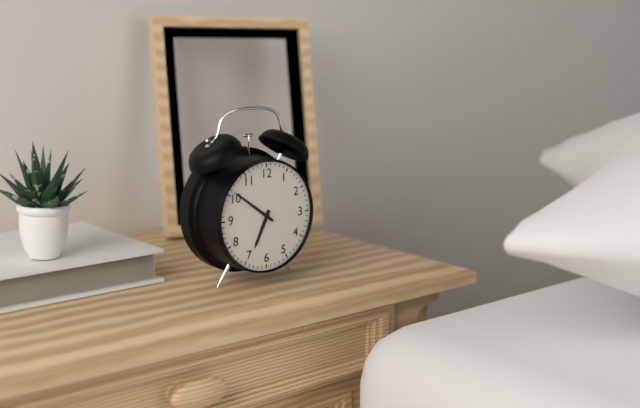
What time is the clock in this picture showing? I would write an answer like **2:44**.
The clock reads **6:51**
